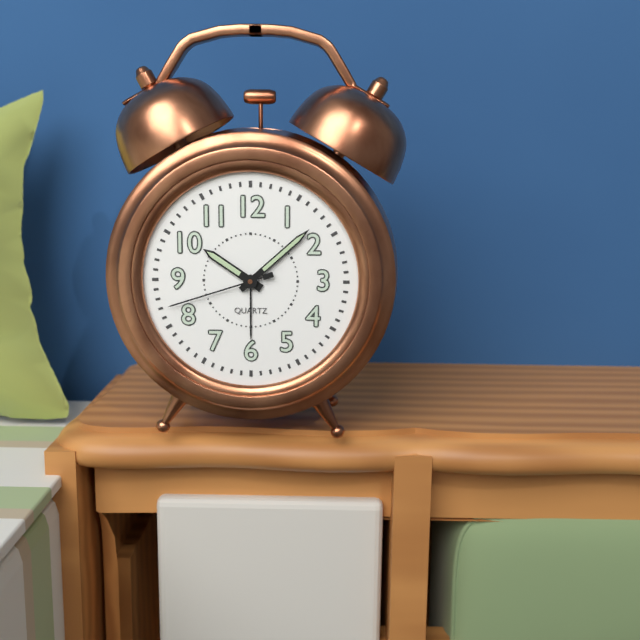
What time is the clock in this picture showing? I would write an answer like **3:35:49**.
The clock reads **10:08:42**
